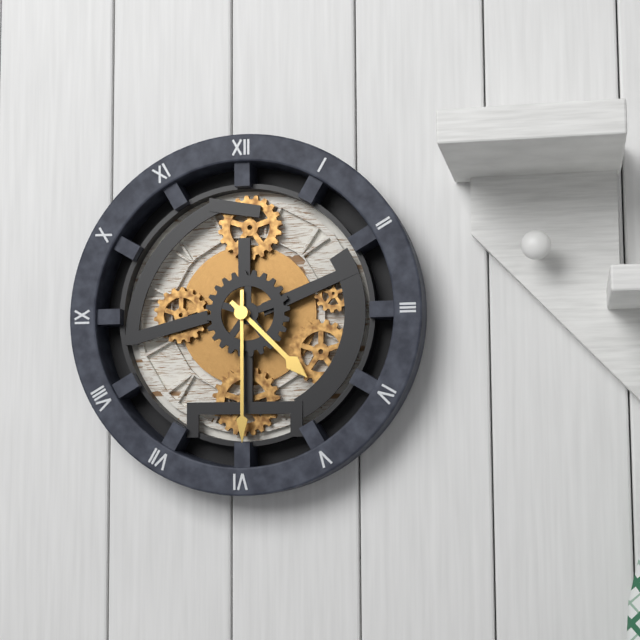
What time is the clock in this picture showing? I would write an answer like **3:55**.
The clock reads **4:30**
